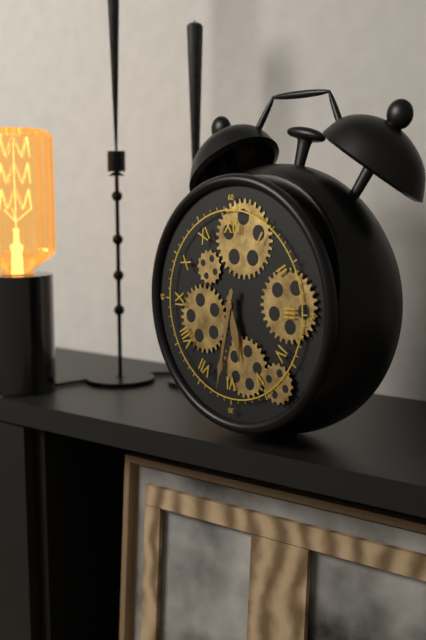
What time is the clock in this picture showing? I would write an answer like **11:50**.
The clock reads **5:32**
